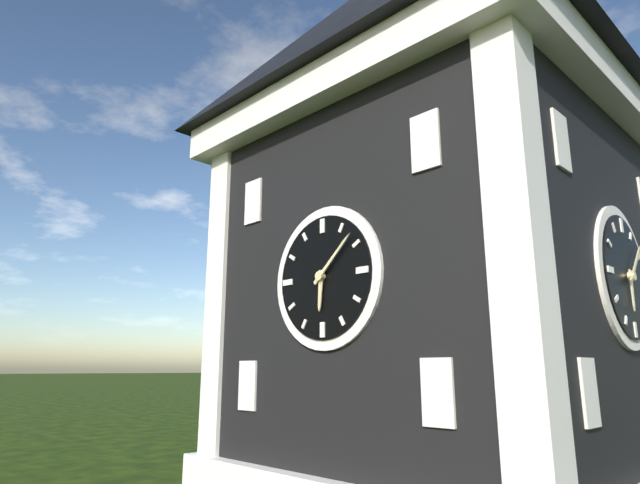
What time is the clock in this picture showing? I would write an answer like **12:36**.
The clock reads **6:08**
